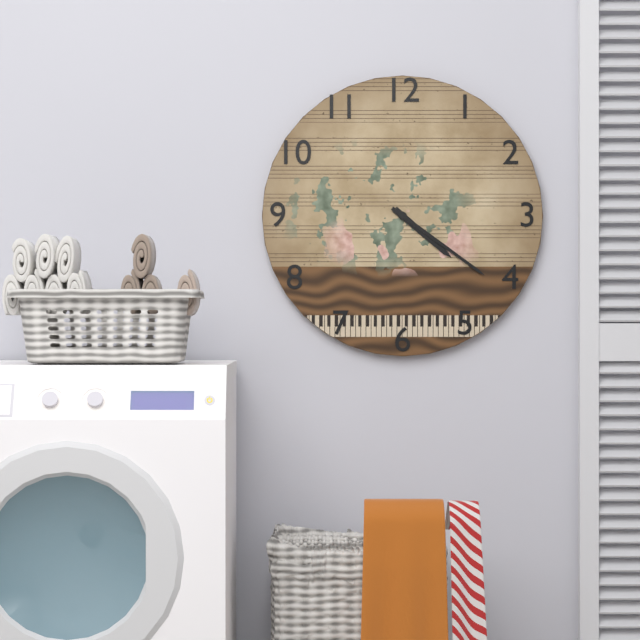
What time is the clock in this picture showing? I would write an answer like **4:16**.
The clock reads **4:21**
